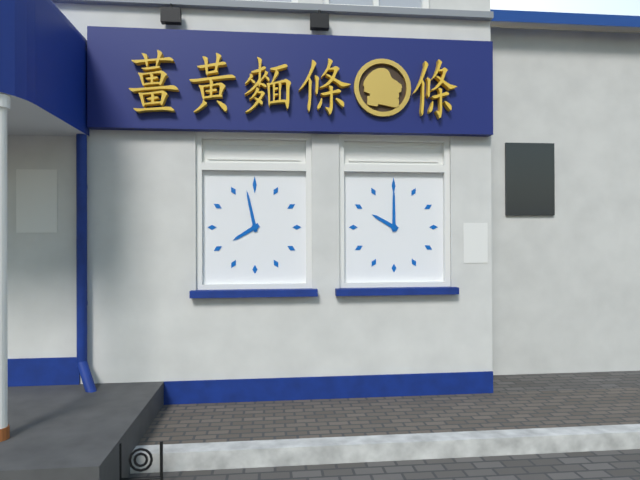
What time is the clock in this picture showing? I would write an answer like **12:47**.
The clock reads **7:58**
